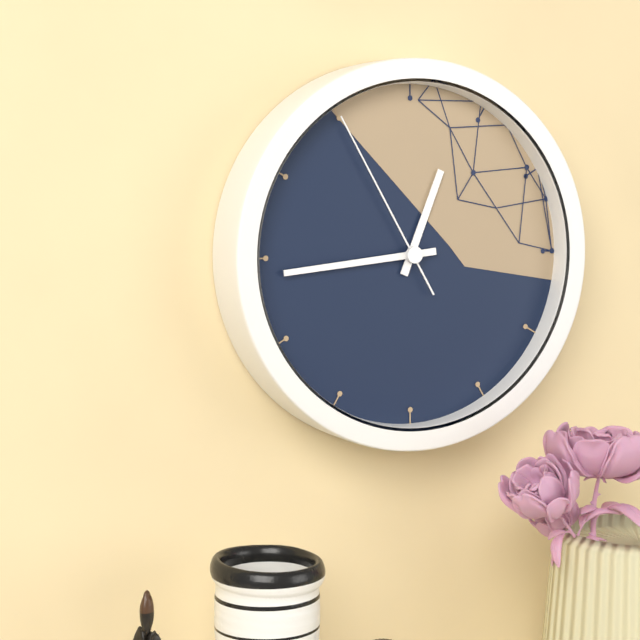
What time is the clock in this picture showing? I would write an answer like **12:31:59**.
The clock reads **12:44:55**
